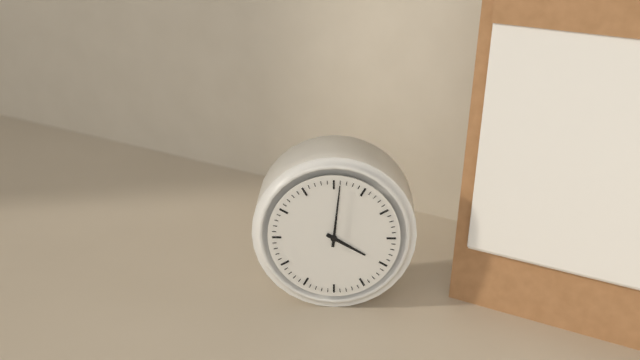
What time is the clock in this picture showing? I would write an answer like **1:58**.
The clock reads **4:01**
